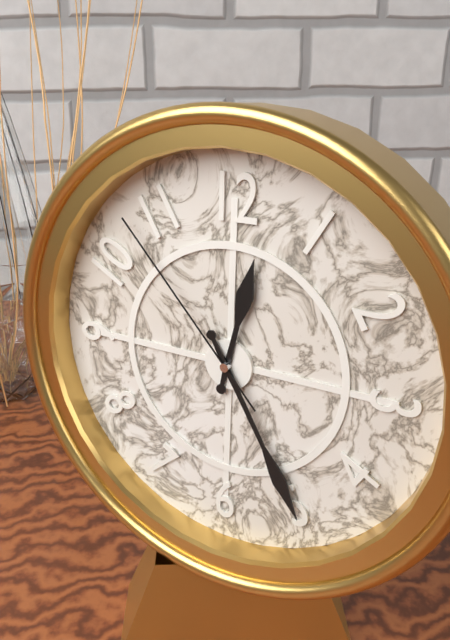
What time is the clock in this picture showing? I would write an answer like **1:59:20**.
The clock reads **12:25:53**
